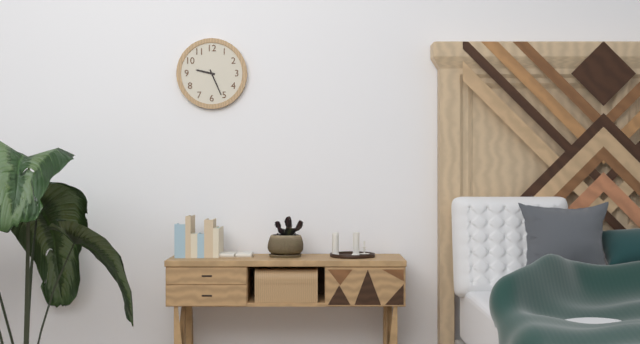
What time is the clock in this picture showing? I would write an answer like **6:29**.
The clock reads **9:26**
